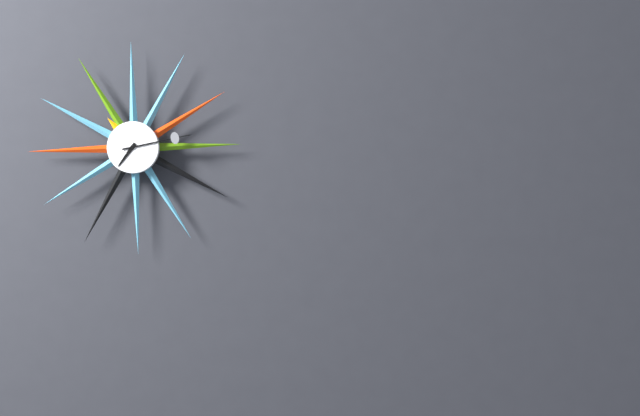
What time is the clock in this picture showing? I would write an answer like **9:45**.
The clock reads **7:13**
